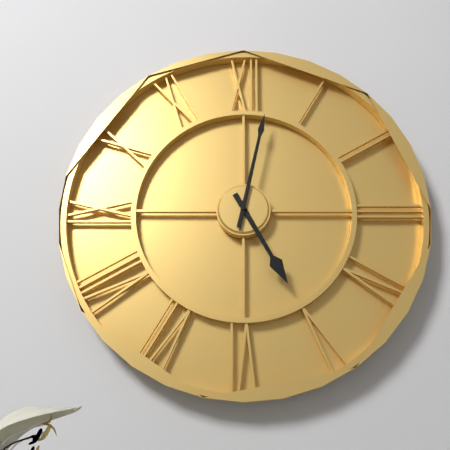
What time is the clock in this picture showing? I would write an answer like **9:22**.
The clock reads **5:02**
